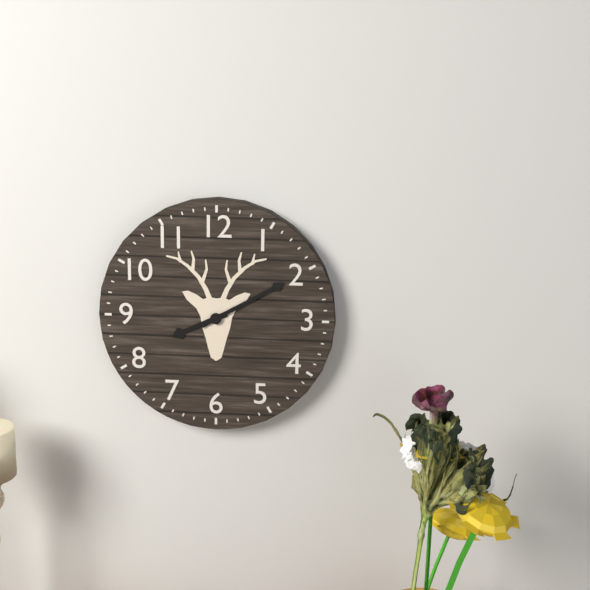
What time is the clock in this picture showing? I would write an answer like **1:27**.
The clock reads **8:10**
